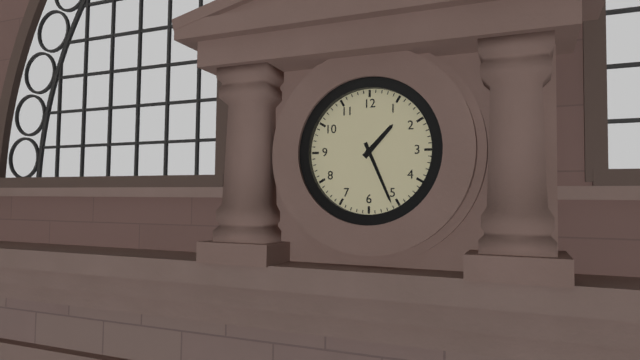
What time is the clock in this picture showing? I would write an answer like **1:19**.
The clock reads **1:26**
